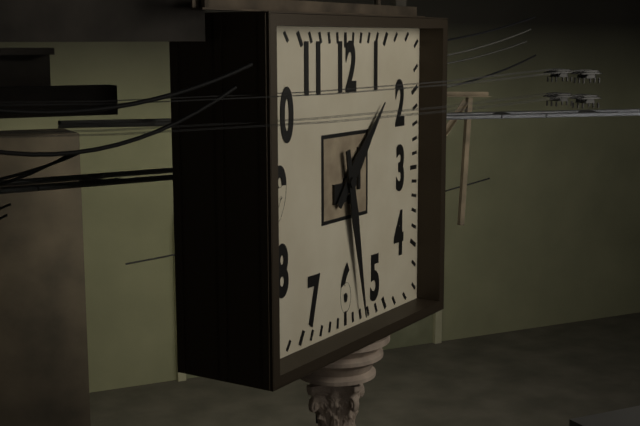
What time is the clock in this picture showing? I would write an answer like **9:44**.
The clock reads **1:28**
